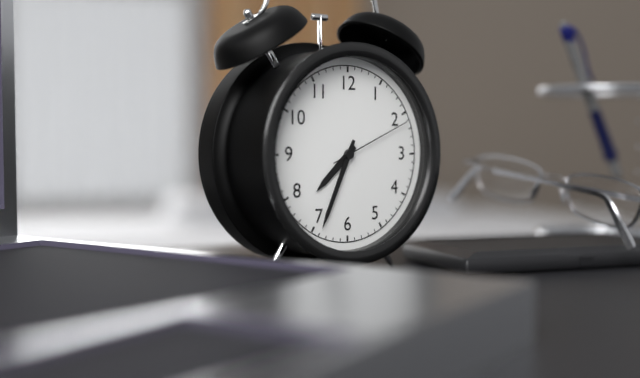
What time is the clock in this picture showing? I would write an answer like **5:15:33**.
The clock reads **7:34:11**
